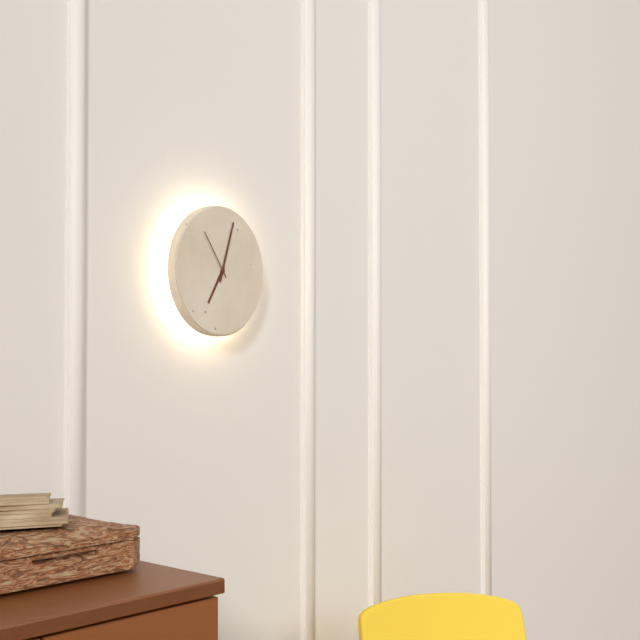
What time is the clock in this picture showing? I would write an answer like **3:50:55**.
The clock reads **7:03:54**
